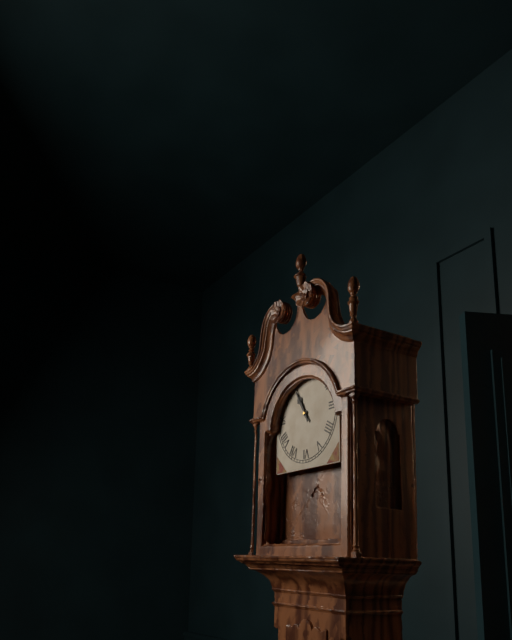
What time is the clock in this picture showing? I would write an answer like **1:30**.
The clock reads **10:55**
